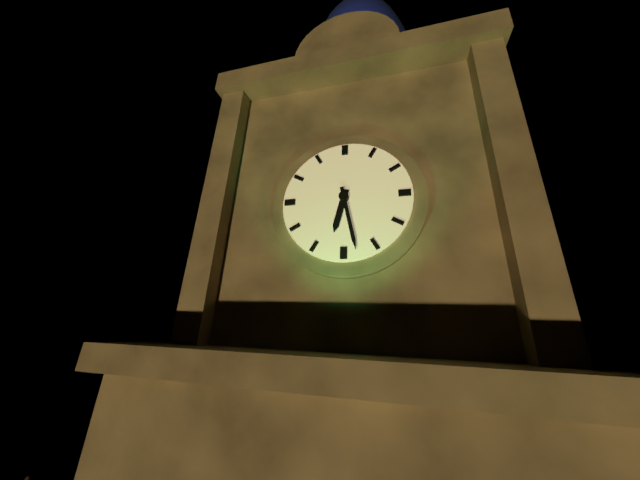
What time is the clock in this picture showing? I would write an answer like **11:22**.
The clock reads **6:28**
